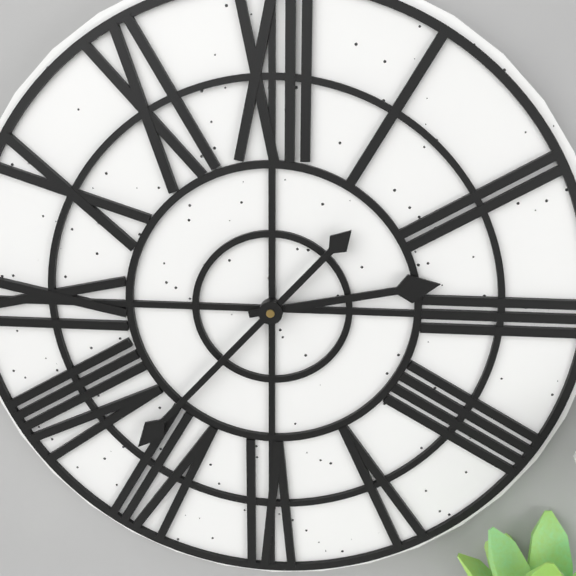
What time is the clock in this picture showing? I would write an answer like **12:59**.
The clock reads **2:37**
